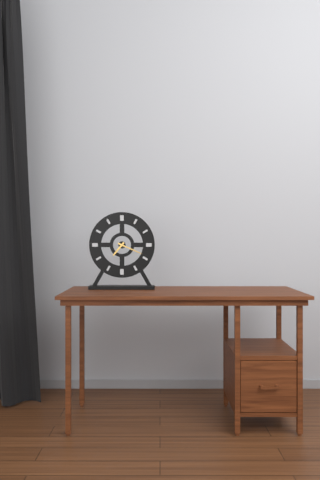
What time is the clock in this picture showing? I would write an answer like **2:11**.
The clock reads **7:19**
